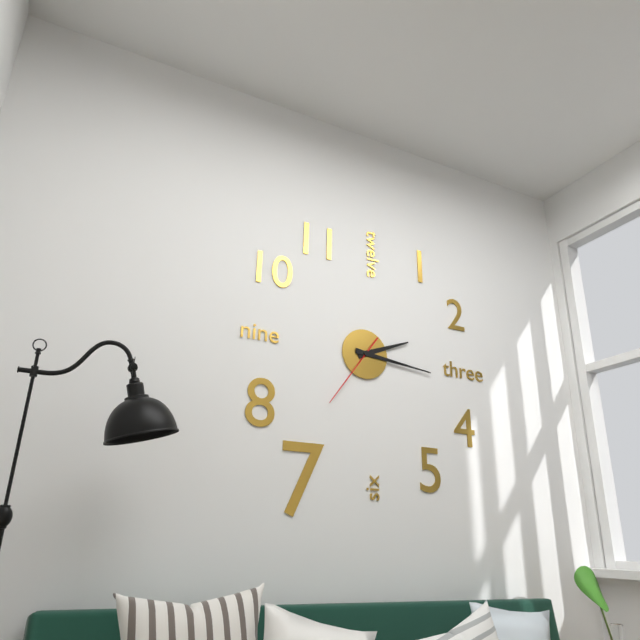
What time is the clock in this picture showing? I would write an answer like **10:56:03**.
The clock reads **2:16:36**
